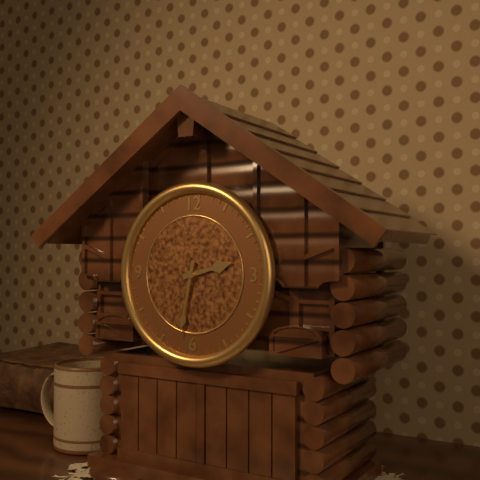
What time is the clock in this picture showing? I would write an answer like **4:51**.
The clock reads **2:32**
